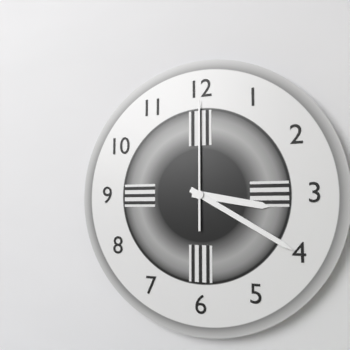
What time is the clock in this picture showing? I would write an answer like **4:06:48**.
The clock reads **3:20:00**
